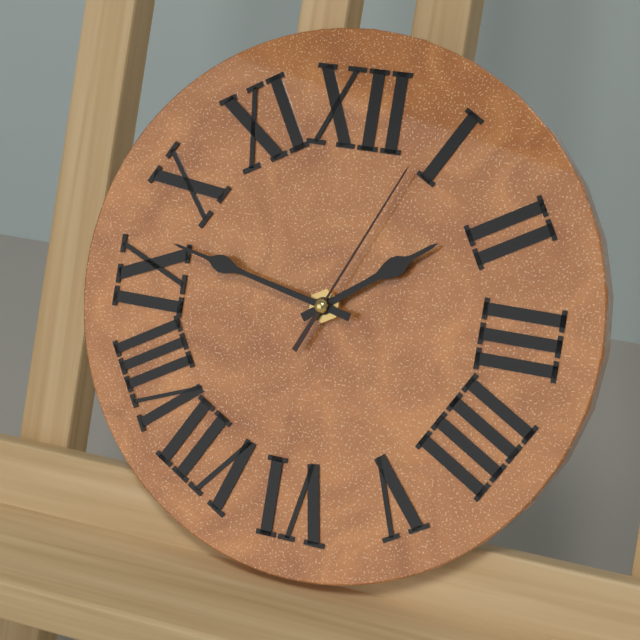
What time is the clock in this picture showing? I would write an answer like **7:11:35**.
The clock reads **1:47:04**
